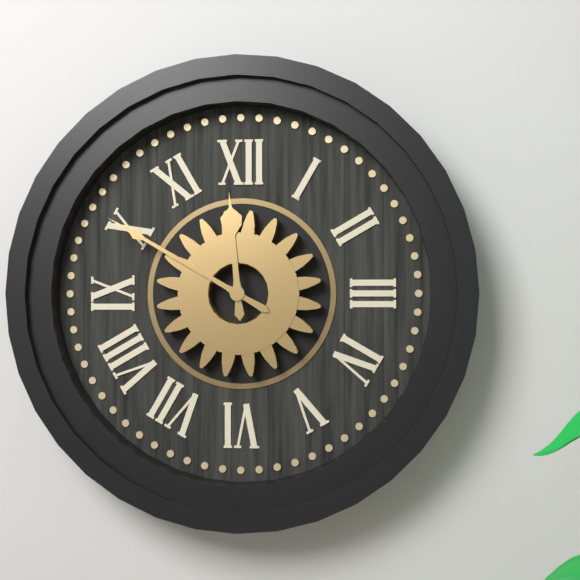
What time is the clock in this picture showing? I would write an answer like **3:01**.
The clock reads **11:50**
